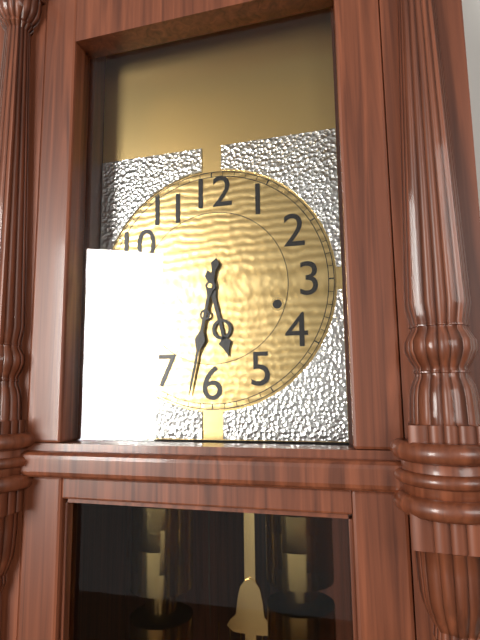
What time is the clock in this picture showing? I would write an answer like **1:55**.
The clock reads **5:32**
